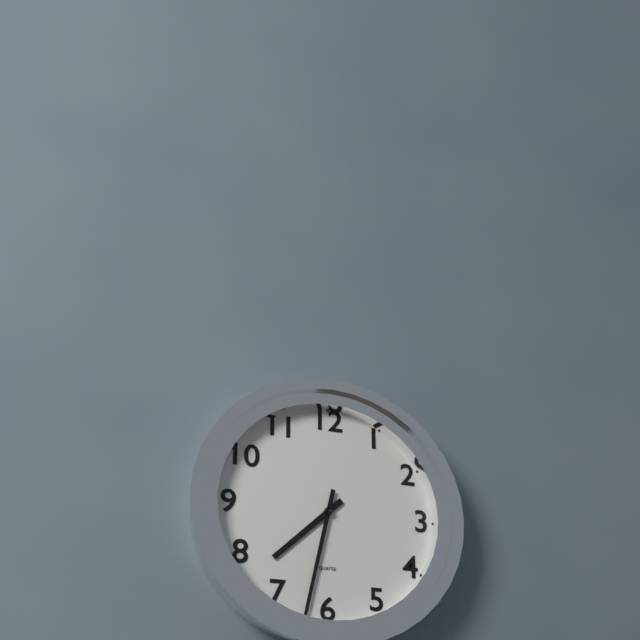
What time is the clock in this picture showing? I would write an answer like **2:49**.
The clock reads **7:32**
